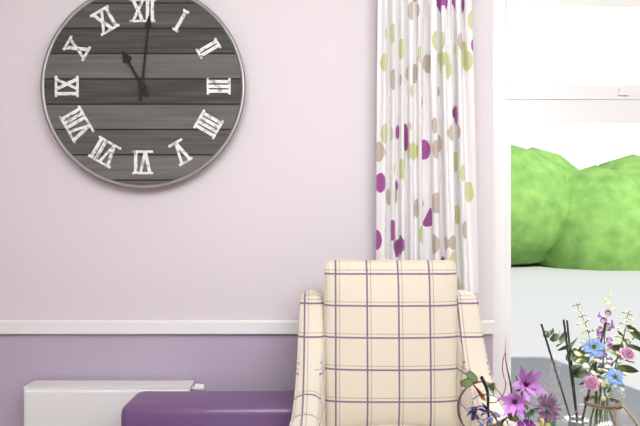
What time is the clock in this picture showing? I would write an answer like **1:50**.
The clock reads **11:01**
